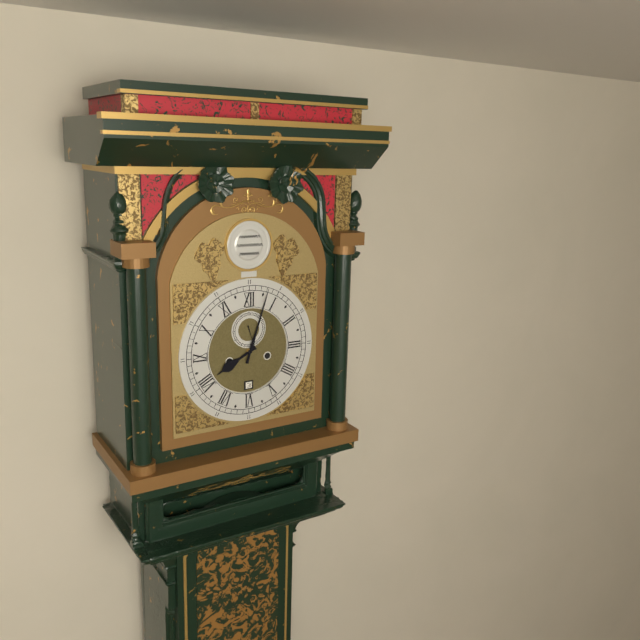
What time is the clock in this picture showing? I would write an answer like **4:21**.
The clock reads **8:03**
